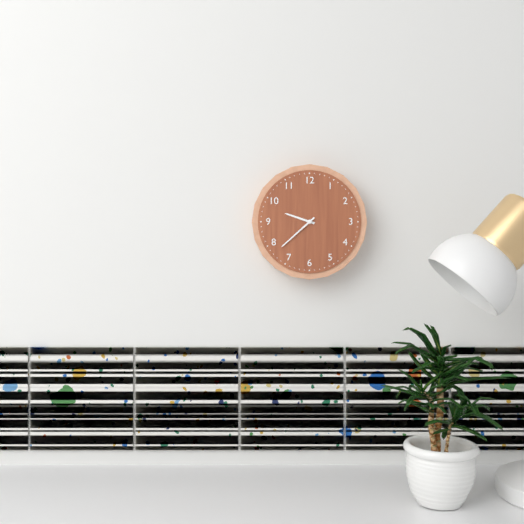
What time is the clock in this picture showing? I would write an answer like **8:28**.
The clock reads **9:38**
